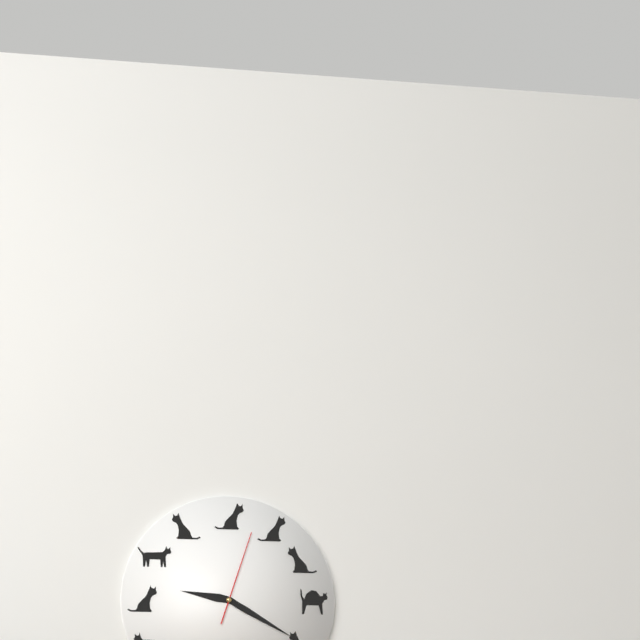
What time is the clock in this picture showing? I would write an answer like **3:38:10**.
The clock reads **9:20:03**
